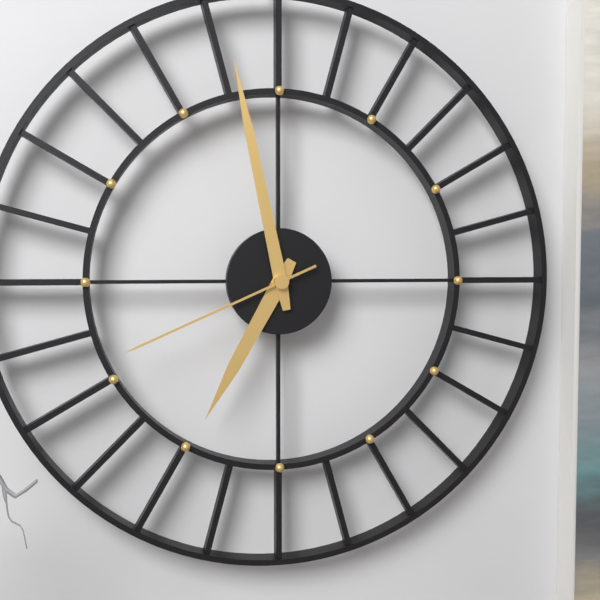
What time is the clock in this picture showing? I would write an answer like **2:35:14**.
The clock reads **6:58:41**
